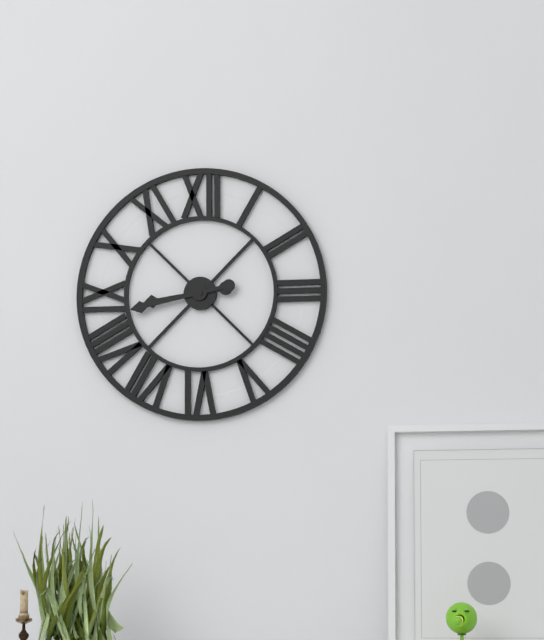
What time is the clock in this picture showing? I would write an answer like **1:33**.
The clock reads **8:43**
